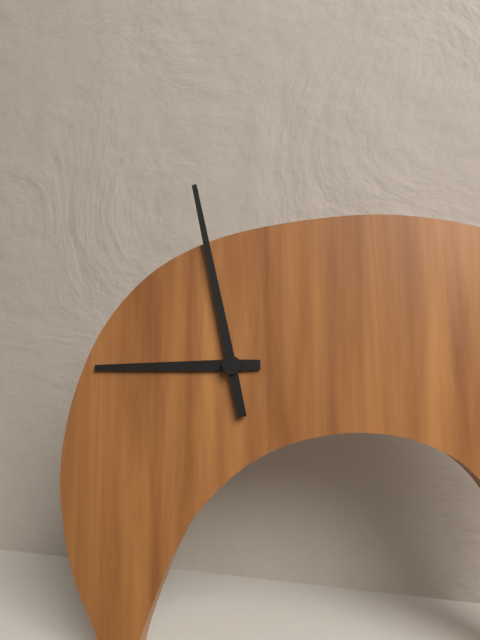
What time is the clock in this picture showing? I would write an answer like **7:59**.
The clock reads **8:58**
